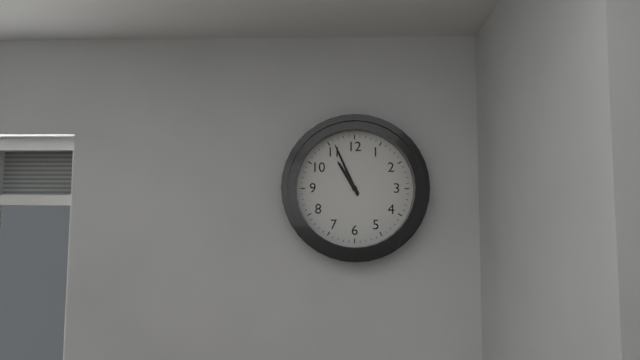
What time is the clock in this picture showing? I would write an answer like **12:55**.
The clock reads **10:56**
